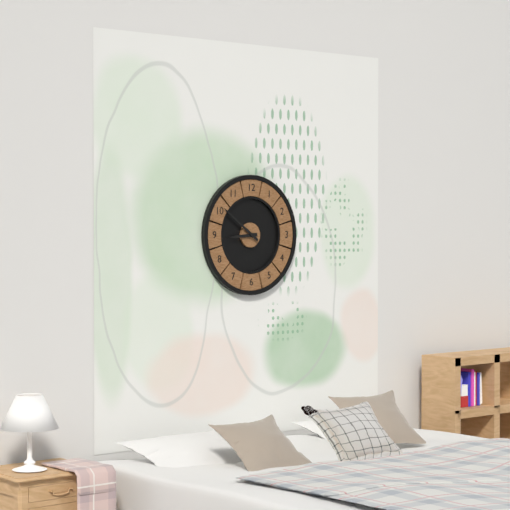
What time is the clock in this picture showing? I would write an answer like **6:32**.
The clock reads **8:51**
